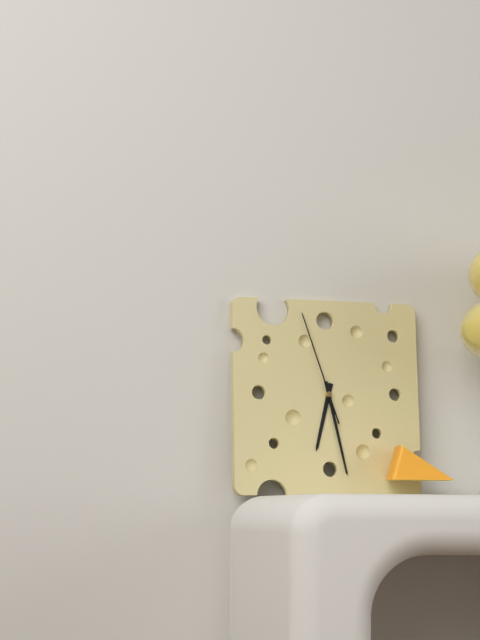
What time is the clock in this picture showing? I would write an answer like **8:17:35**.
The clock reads **6:28:57**
